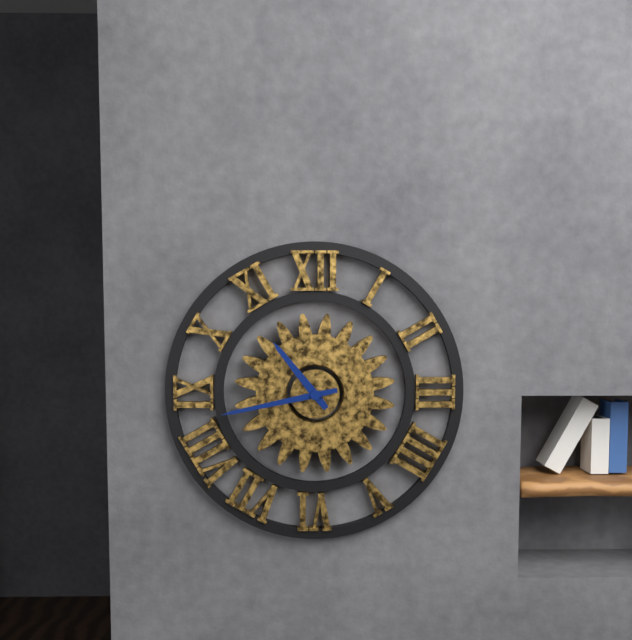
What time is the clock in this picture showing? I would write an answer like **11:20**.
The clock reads **10:43**
